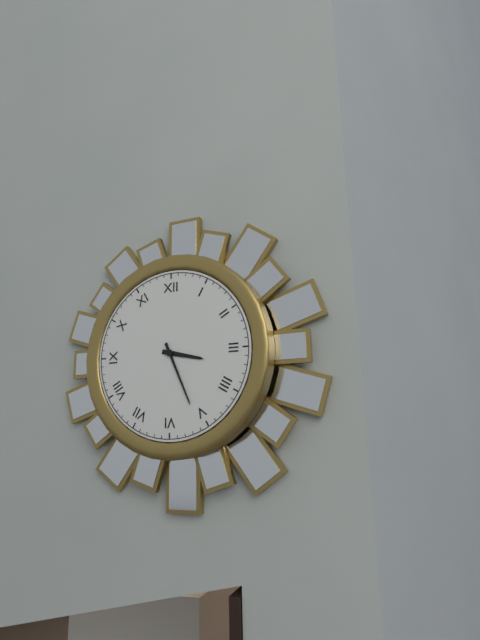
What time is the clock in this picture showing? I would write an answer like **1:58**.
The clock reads **3:26**
